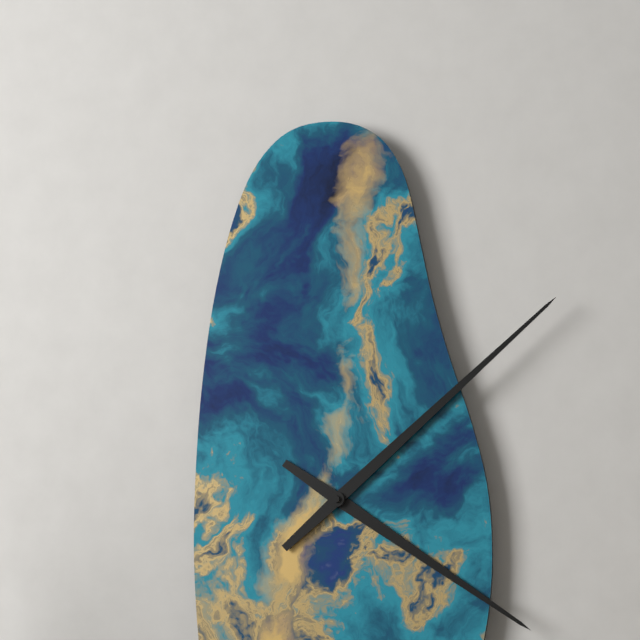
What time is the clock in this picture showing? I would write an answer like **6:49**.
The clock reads **4:08**
